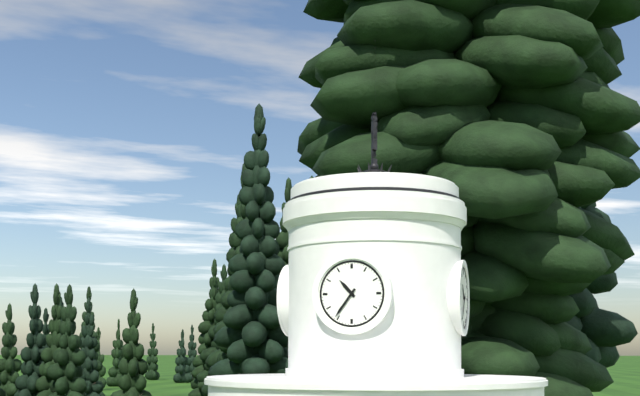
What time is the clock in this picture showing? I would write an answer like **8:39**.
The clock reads **10:36**
